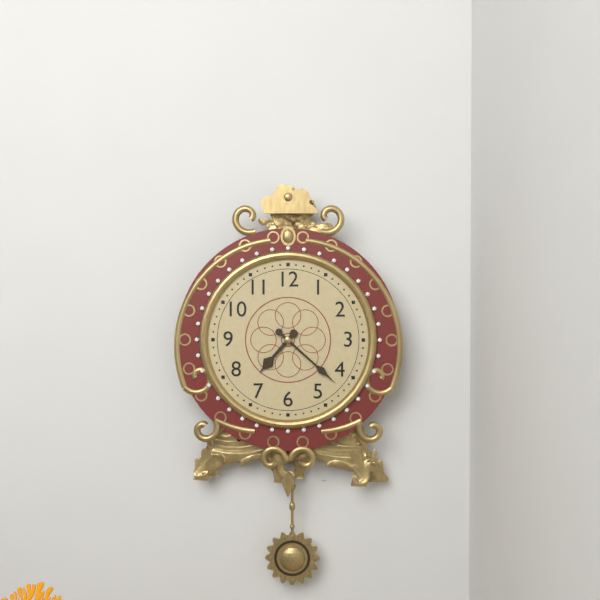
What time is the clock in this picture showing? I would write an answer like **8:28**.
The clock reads **7:22**
